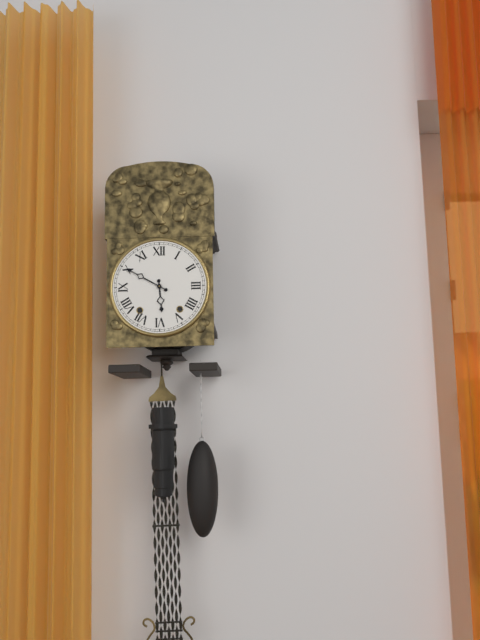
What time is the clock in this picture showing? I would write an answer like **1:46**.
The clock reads **5:50**
